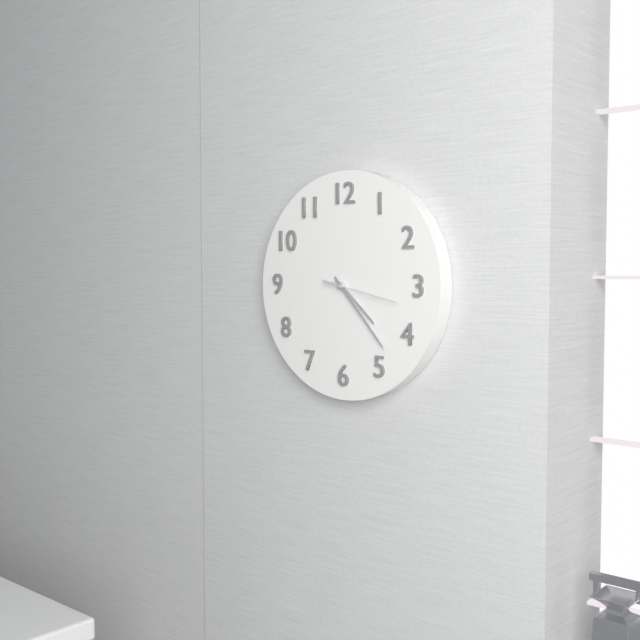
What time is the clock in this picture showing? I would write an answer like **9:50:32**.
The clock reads **4:23:17**
